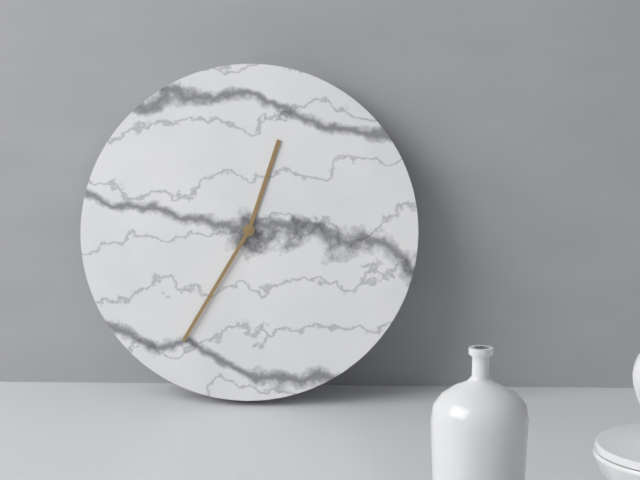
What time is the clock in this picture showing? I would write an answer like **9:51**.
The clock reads **12:35**
